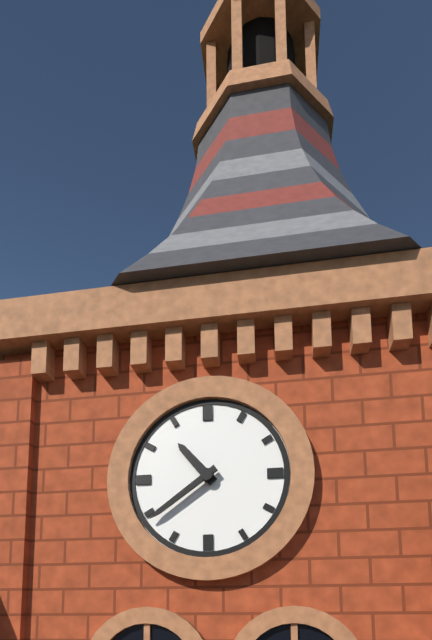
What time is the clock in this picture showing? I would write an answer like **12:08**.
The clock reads **10:39**
